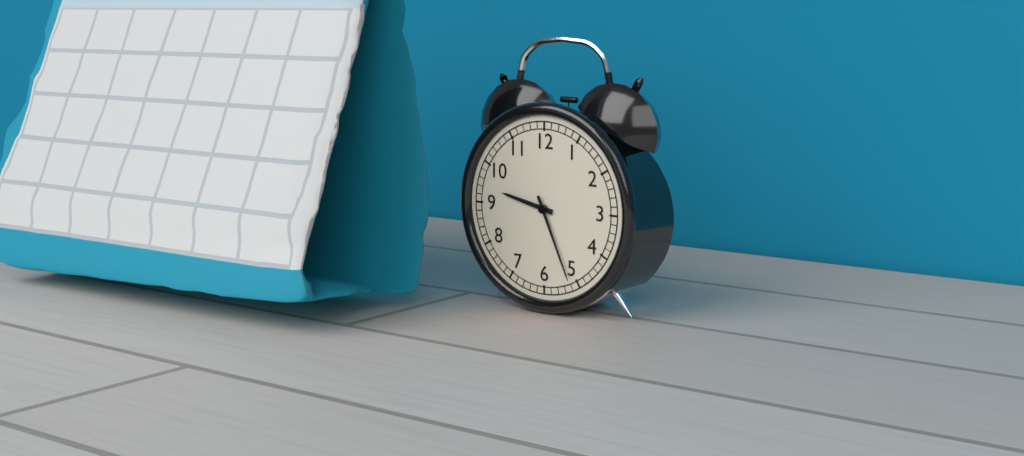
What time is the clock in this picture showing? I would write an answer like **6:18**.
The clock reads **9:26**
